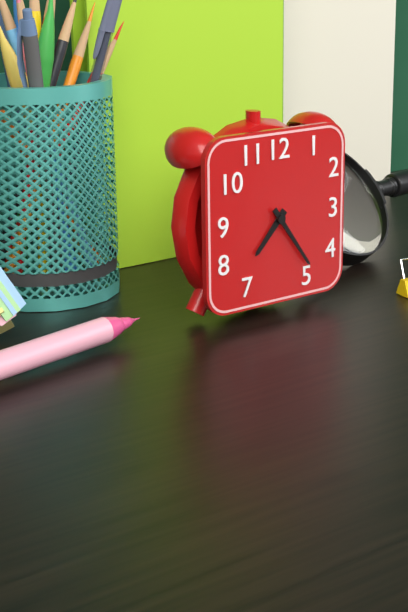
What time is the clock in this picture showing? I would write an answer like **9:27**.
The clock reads **7:24**
